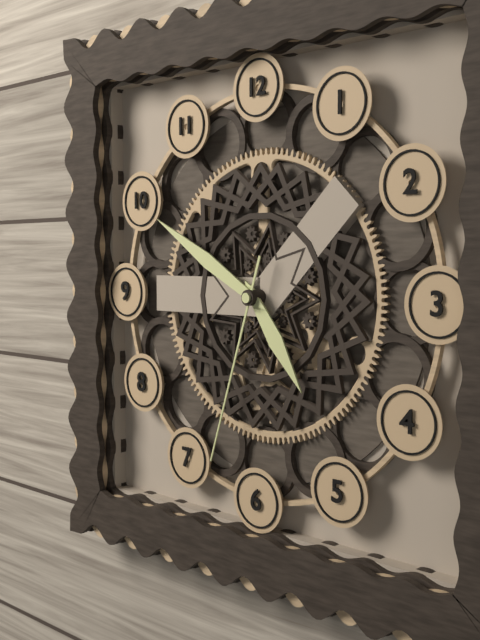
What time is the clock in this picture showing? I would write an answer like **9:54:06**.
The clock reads **4:50:33**
